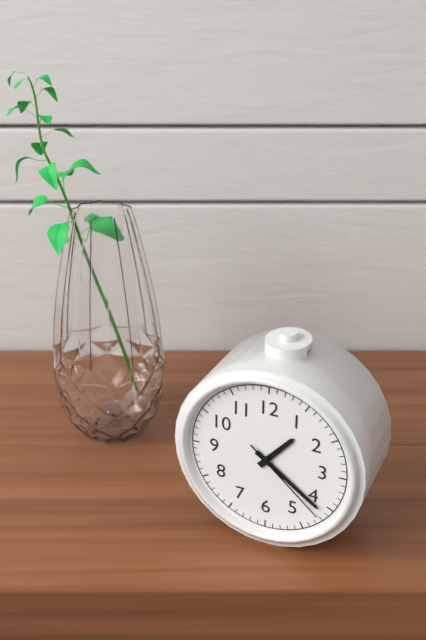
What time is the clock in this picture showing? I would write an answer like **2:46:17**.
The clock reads **1:21:22**
